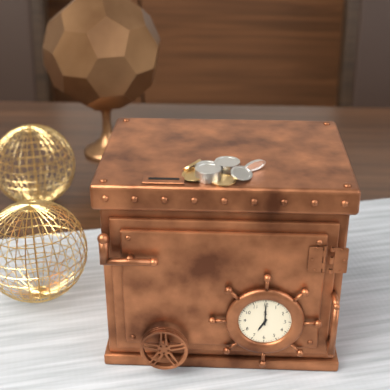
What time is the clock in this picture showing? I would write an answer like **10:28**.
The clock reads **7:00**
